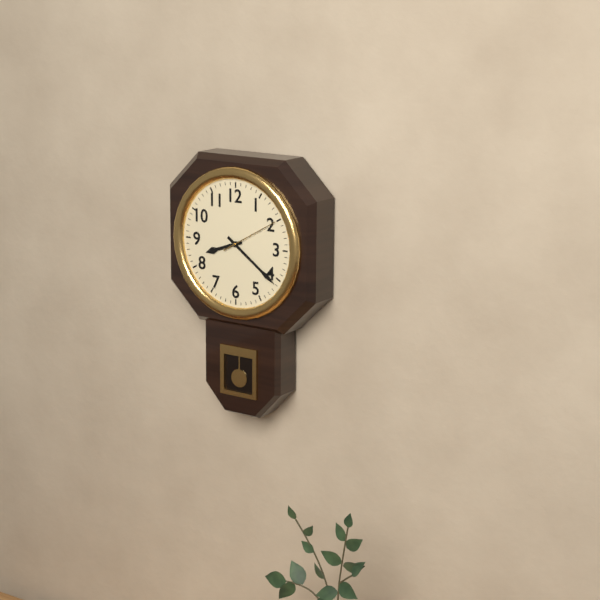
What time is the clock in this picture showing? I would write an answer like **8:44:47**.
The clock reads **8:21:10**
